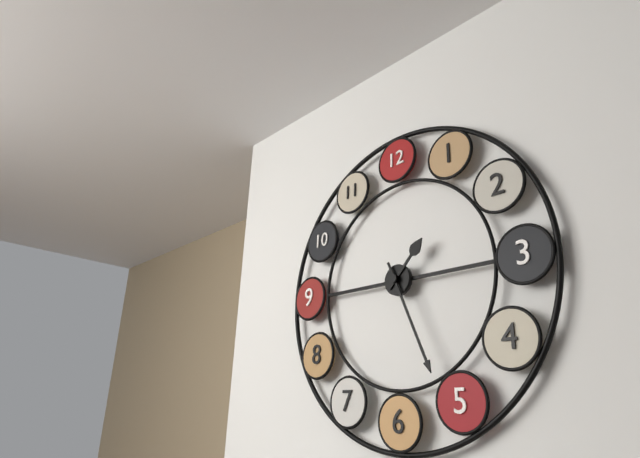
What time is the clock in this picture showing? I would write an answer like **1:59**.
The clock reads **1:26**
